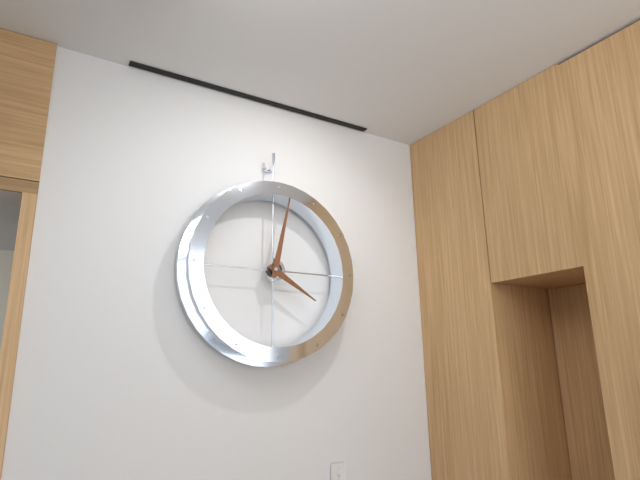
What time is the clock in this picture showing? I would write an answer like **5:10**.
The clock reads **4:02**
